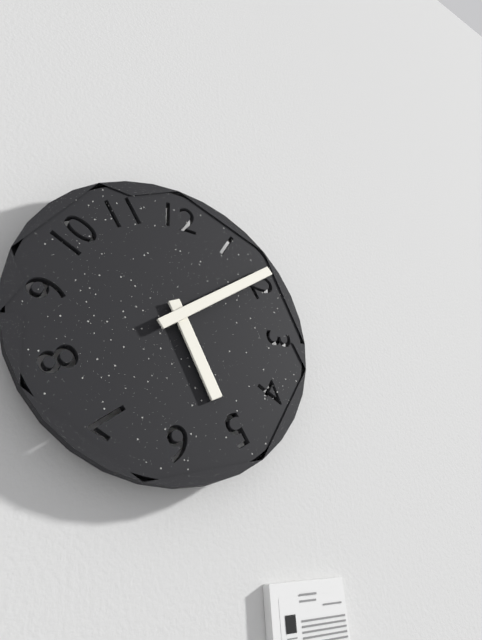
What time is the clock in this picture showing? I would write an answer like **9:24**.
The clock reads **5:09**
